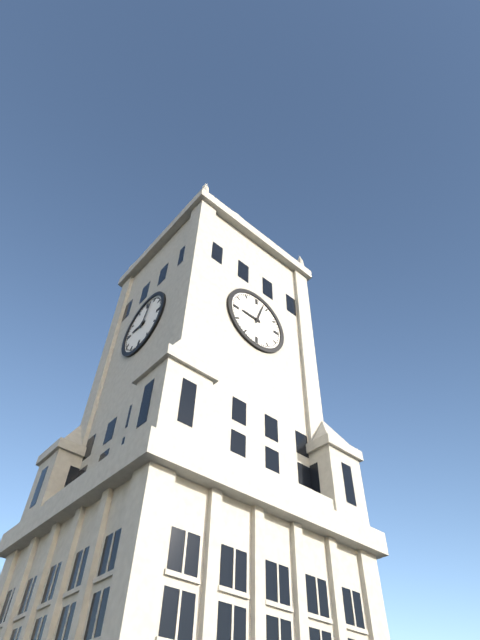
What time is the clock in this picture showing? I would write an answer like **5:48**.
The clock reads **9:03**
